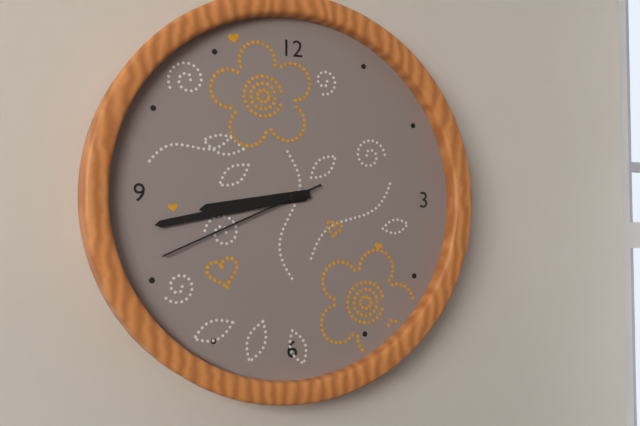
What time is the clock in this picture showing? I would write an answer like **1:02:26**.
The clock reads **8:43:41**
